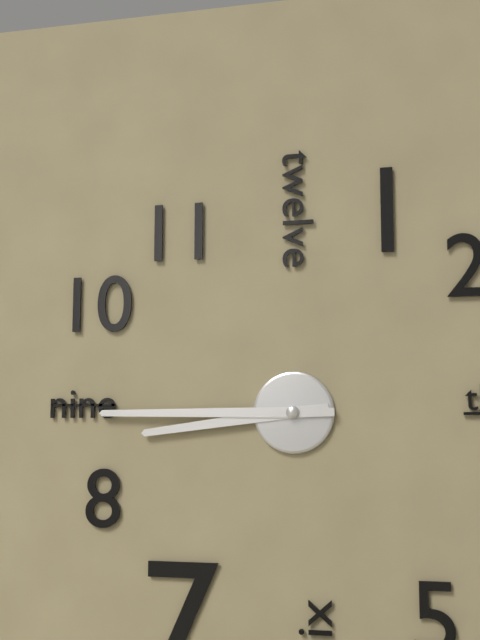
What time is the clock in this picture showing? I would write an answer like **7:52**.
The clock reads **8:45**
